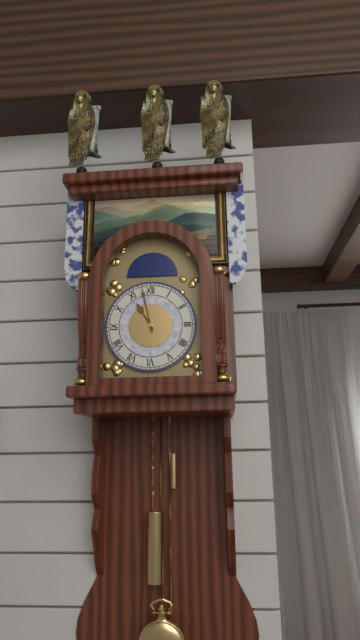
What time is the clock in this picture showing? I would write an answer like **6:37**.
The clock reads **10:58**
